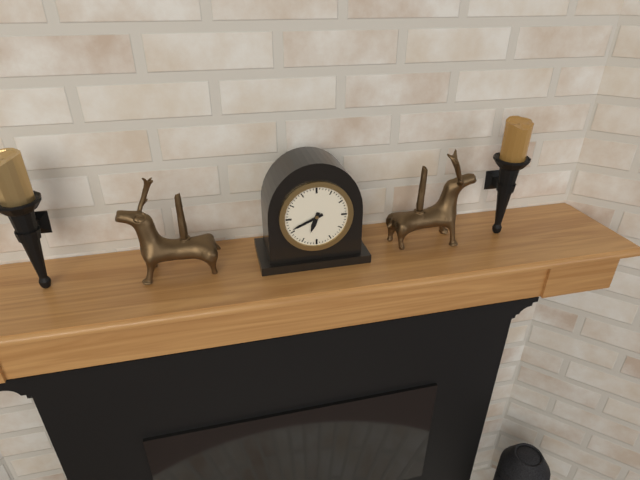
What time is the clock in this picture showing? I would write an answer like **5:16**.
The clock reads **6:41**
